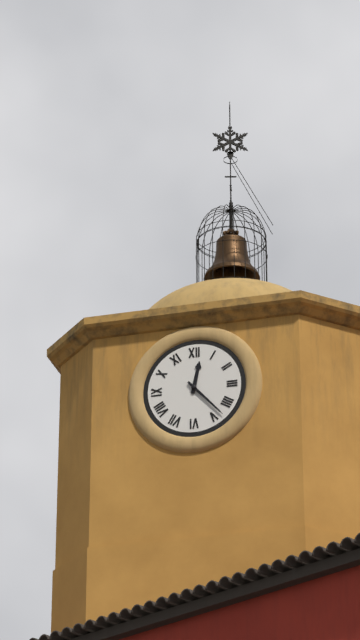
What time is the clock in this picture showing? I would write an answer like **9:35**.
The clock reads **12:23**
